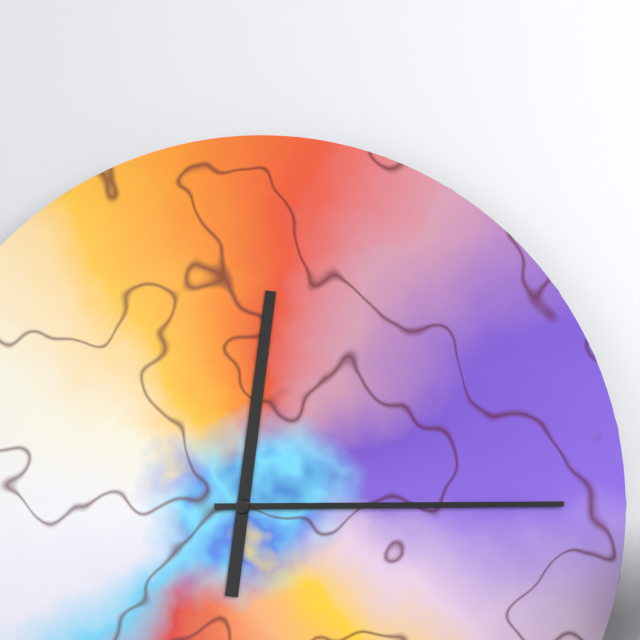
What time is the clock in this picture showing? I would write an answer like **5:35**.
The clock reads **12:15**
